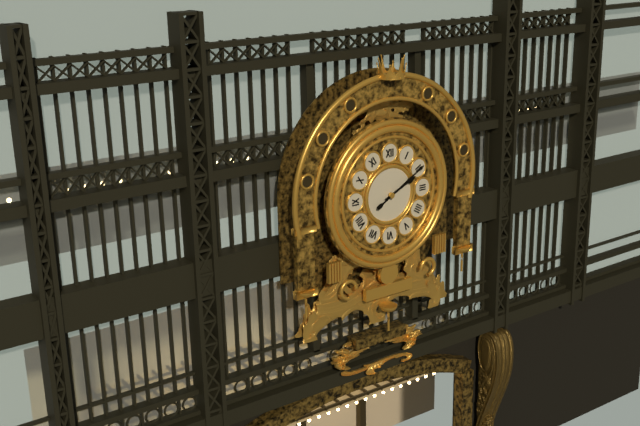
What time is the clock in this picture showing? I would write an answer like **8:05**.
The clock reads **2:10**
